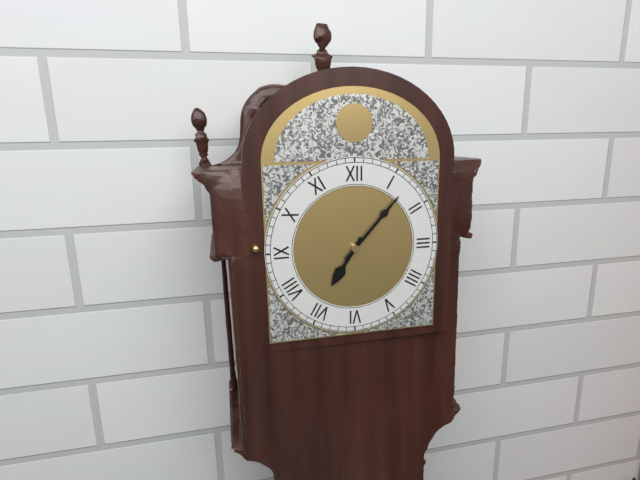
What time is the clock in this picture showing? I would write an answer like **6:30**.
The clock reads **7:07**
